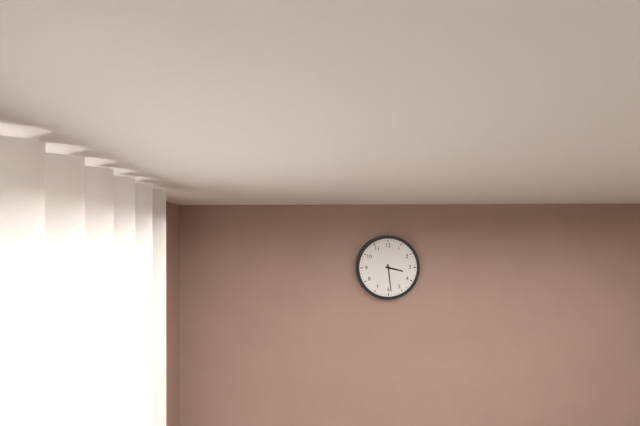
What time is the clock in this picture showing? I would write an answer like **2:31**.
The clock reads **3:29**
